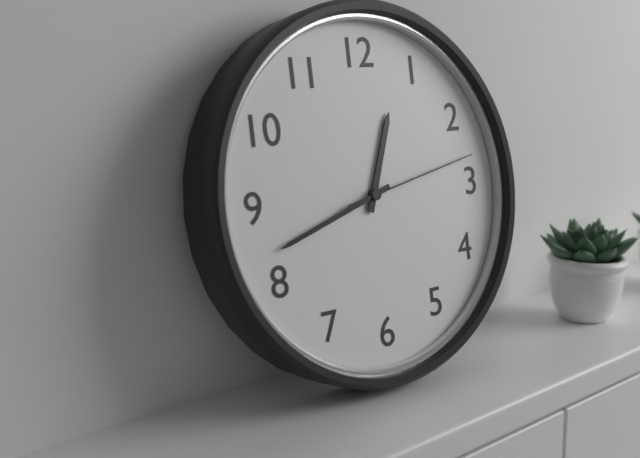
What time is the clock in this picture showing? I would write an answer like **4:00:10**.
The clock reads **12:42:13**
